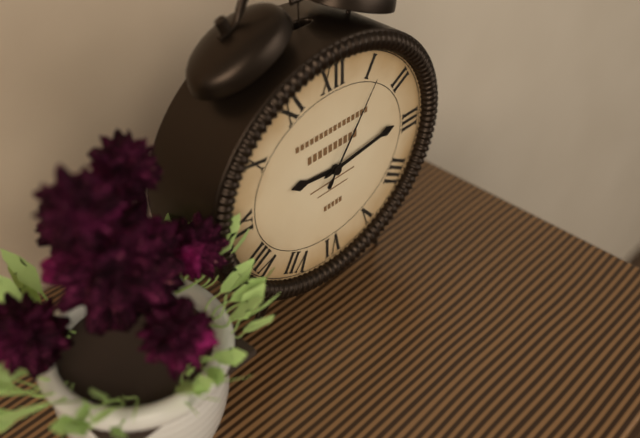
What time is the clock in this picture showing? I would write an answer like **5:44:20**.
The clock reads **9:14:06**
